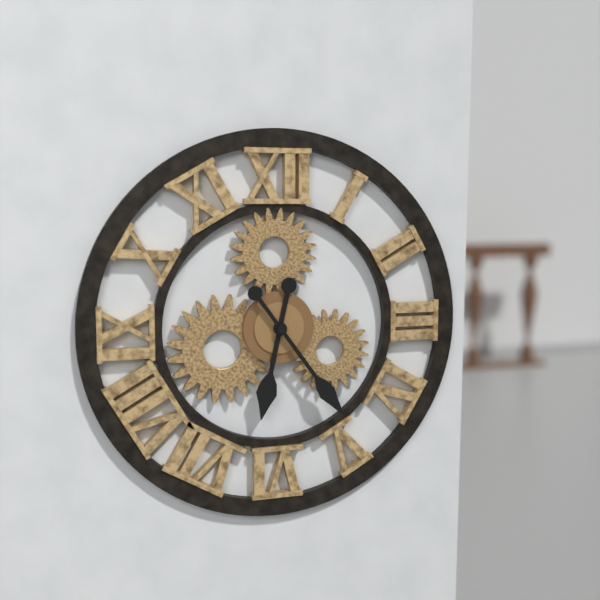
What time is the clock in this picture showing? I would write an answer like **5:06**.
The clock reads **6:24**
